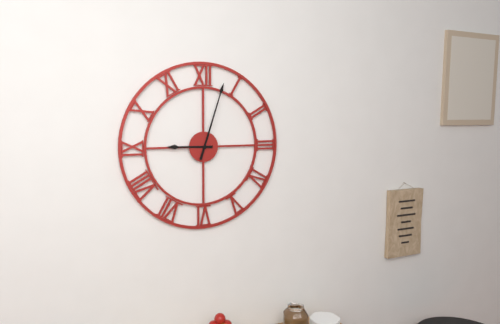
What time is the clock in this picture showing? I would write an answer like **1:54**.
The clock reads **9:03**
